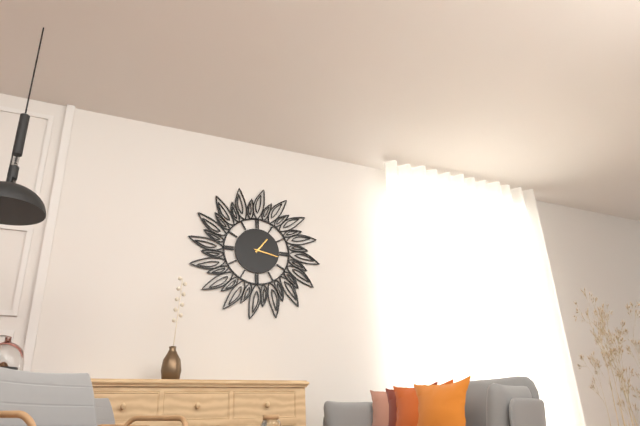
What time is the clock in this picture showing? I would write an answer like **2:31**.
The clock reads **1:17**
